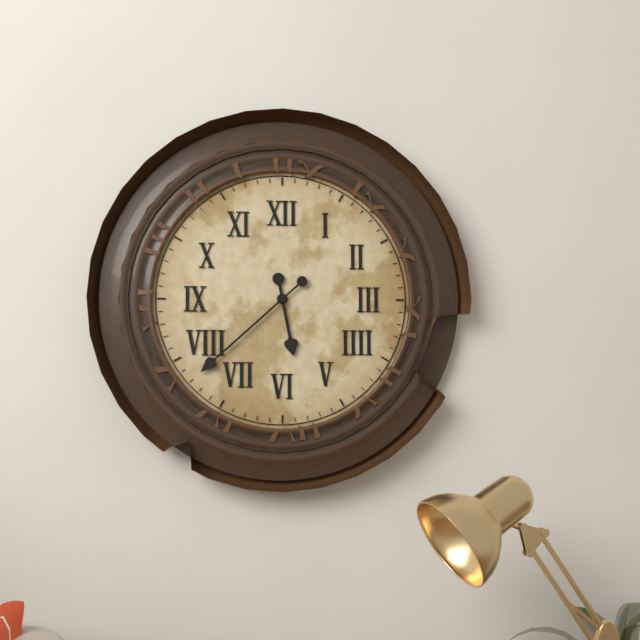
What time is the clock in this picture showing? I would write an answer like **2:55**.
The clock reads **5:38**
